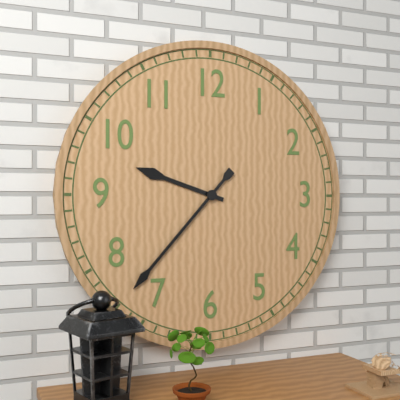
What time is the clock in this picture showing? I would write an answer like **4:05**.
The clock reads **9:37**
